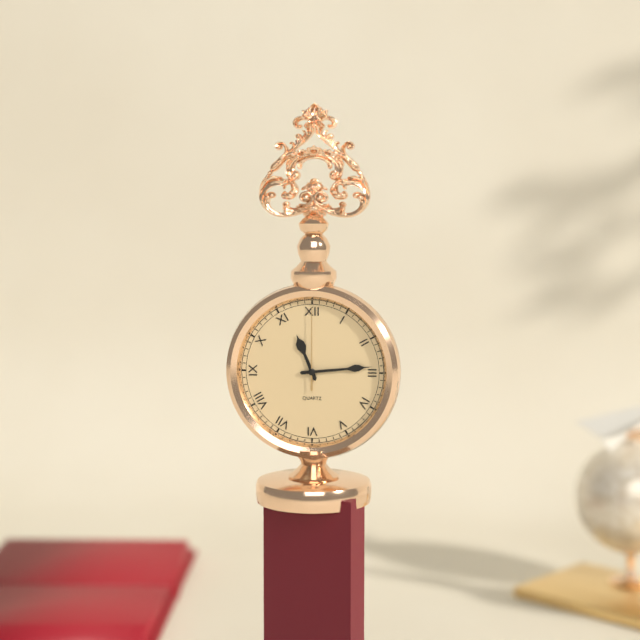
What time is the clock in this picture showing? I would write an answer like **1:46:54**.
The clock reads **11:14:00**
